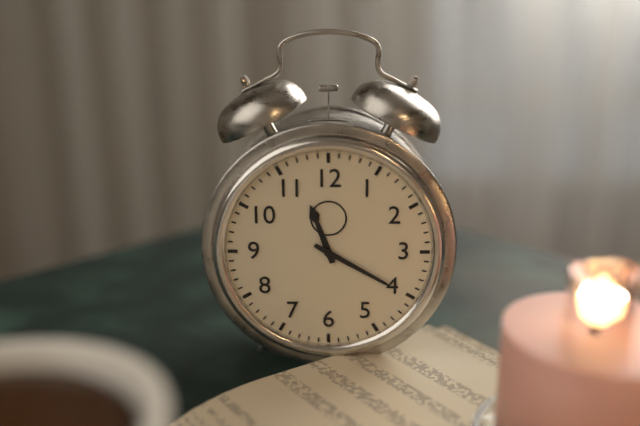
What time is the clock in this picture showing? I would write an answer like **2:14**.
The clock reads **11:20**
